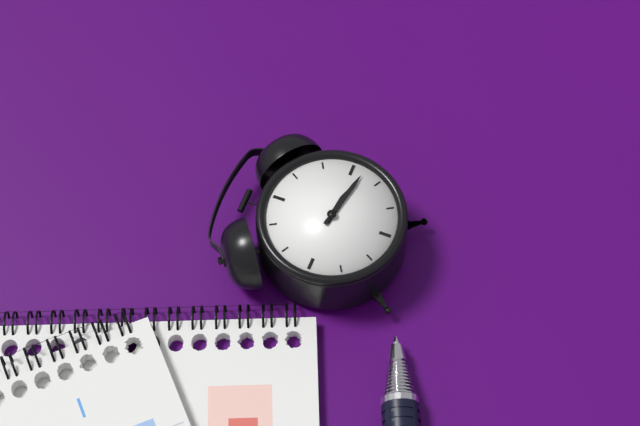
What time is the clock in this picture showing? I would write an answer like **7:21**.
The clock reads **3:17**
